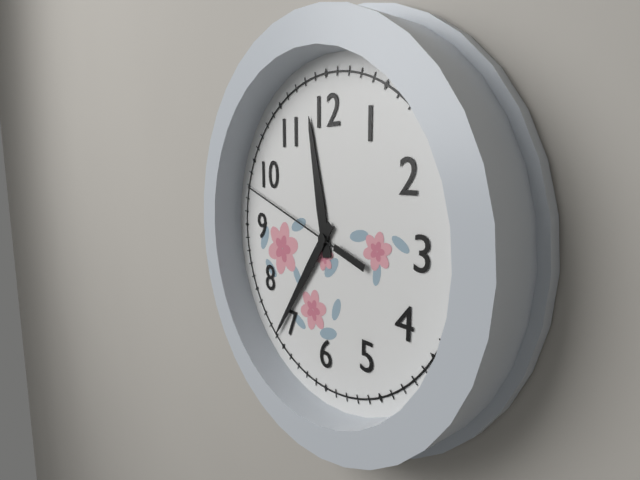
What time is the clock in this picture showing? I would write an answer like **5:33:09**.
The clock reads **11:36:48**
